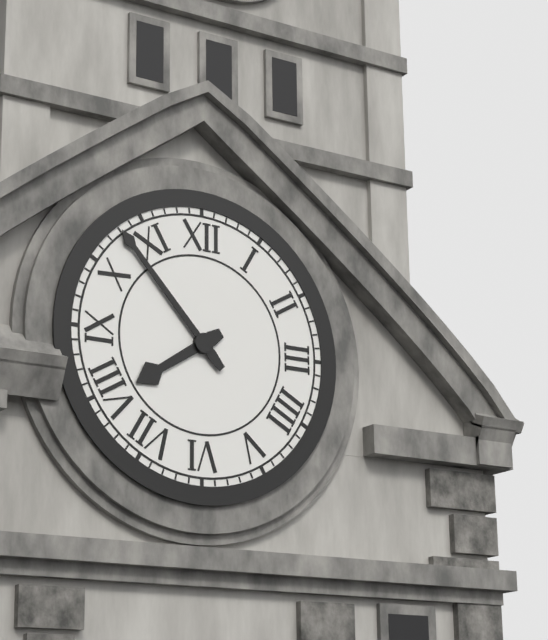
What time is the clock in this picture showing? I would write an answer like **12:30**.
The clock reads **7:53**
